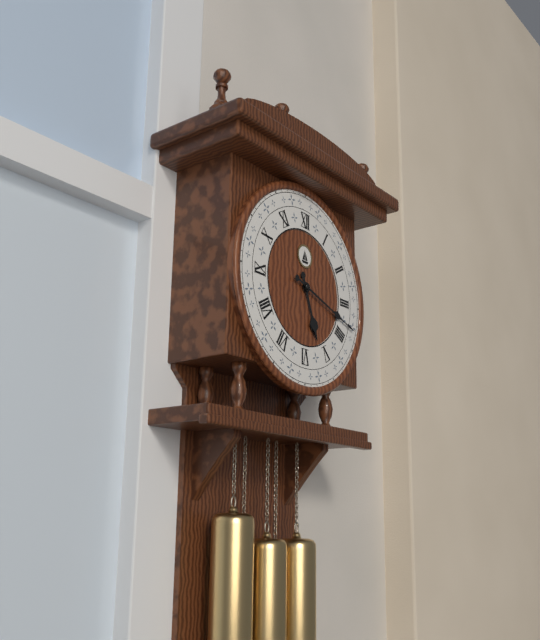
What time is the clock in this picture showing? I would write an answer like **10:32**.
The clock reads **5:18**
